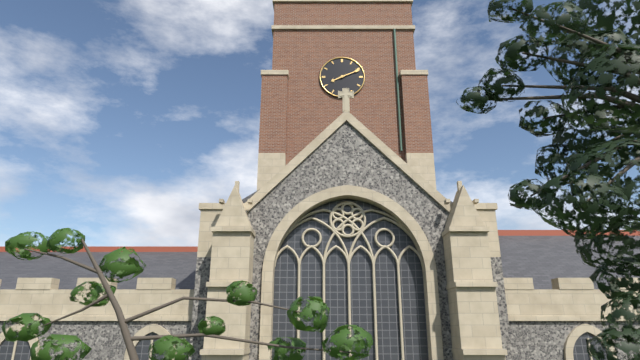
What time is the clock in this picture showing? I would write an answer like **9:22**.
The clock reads **8:11**
